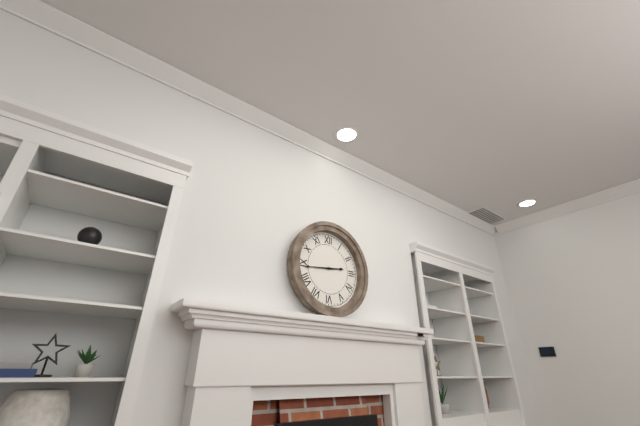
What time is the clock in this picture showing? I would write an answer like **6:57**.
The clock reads **2:44**
